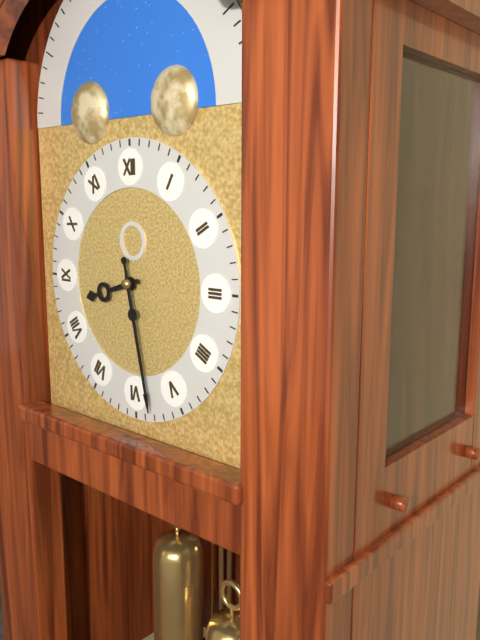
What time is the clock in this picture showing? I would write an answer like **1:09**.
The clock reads **8:28**
